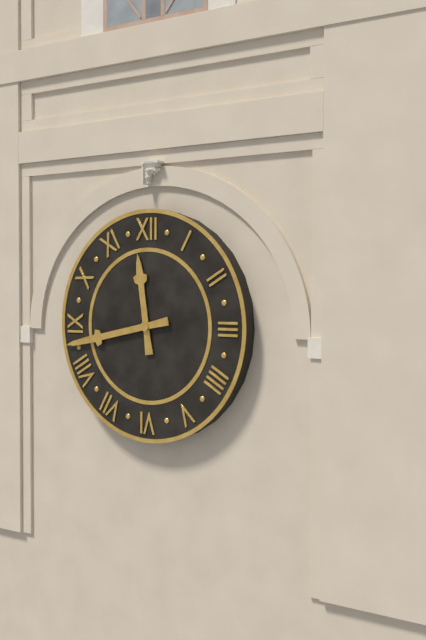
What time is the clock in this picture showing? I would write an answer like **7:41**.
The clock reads **11:43**
